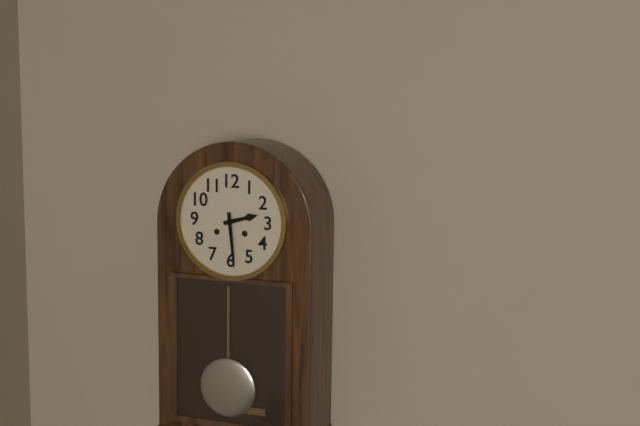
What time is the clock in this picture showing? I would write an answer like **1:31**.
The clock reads **2:29**
